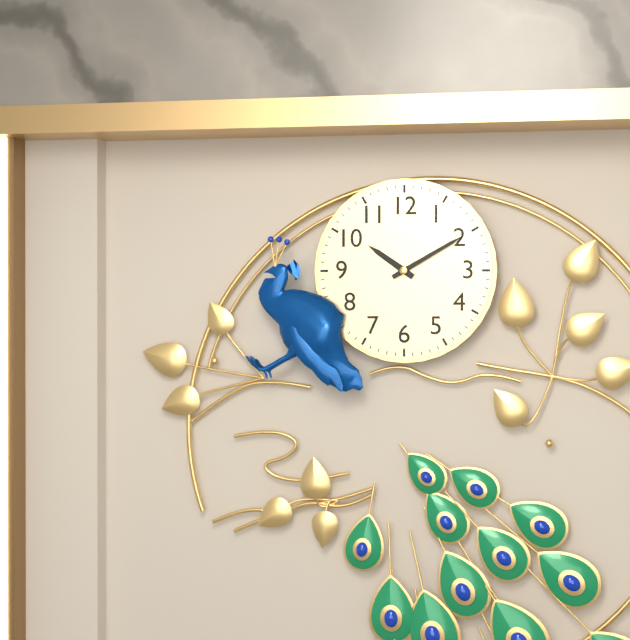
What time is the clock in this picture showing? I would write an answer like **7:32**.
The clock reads **10:10**
